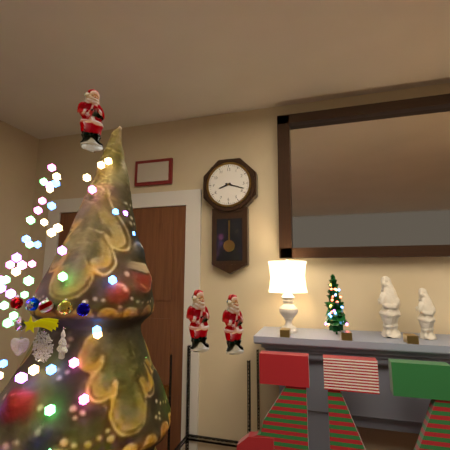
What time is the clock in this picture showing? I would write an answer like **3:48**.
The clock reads **8:18**
